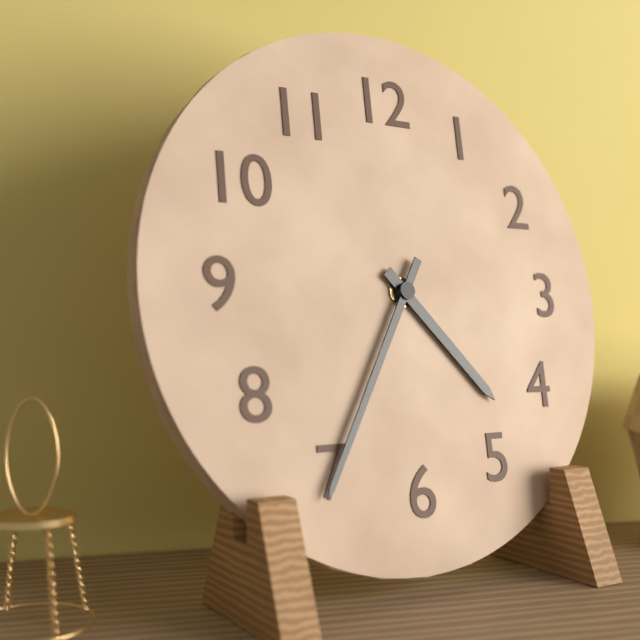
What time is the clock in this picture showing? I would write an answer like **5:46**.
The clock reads **4:35**
